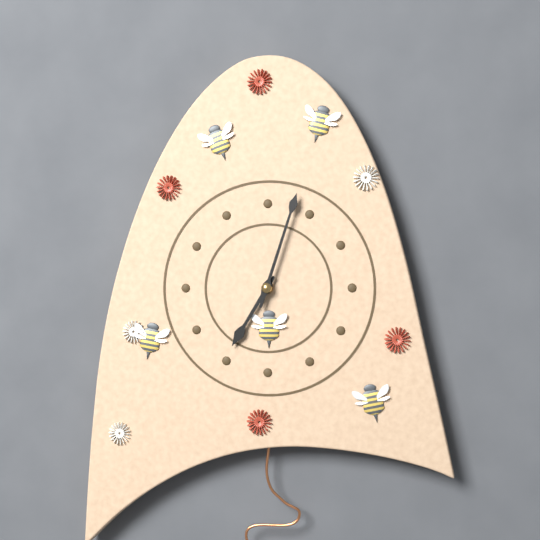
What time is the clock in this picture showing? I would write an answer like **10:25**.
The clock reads **7:03**
